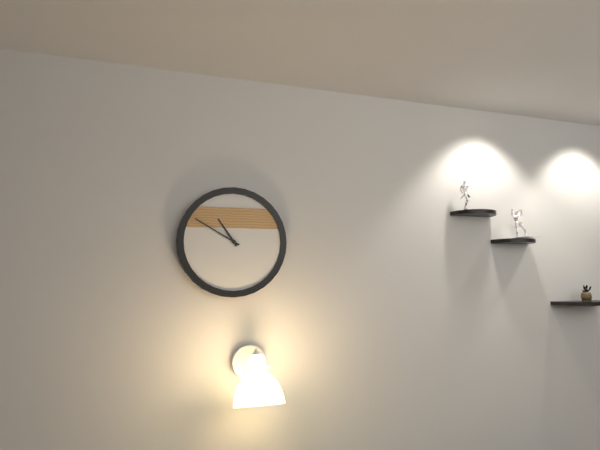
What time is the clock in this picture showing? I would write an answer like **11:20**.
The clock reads **10:50**
